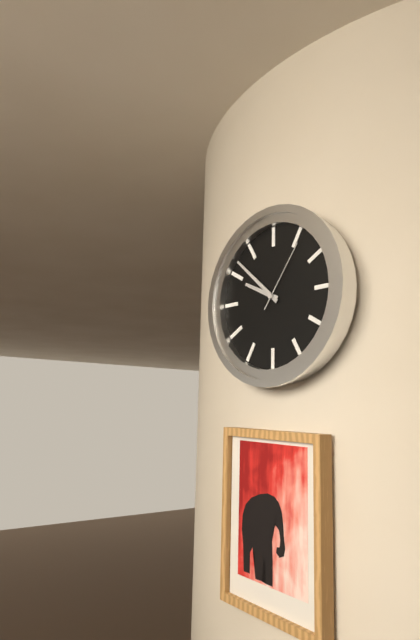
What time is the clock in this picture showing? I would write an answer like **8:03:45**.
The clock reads **9:52:06**
